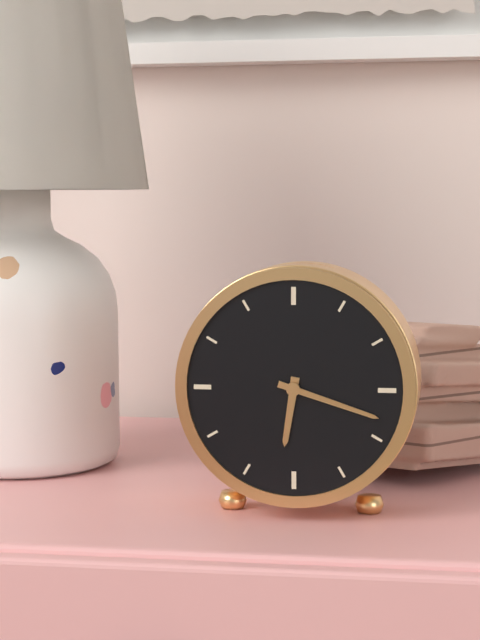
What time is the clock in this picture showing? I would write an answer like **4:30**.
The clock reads **6:18**
